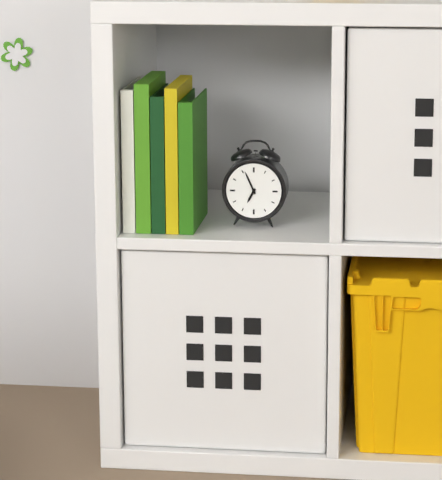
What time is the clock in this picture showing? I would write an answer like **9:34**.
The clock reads **6:56**
